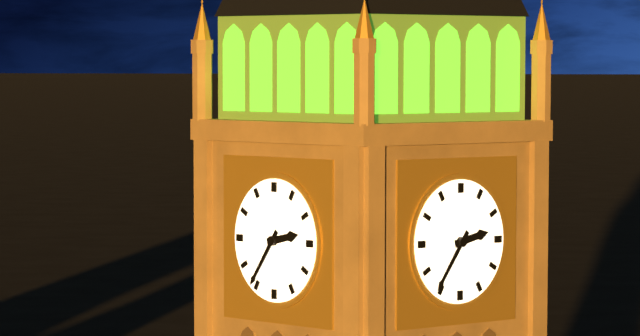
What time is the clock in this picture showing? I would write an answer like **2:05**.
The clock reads **2:36**
